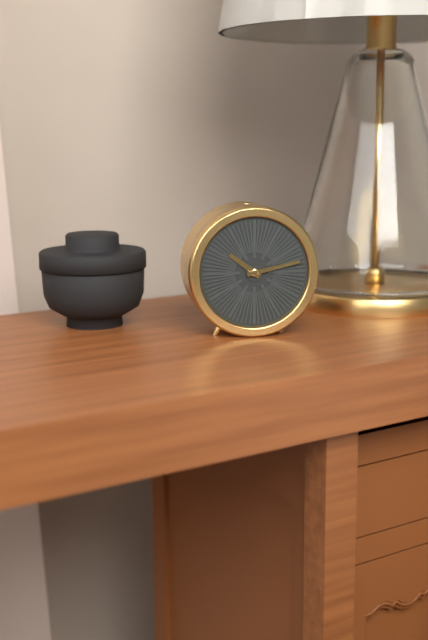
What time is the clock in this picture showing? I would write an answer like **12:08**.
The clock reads **10:13**
